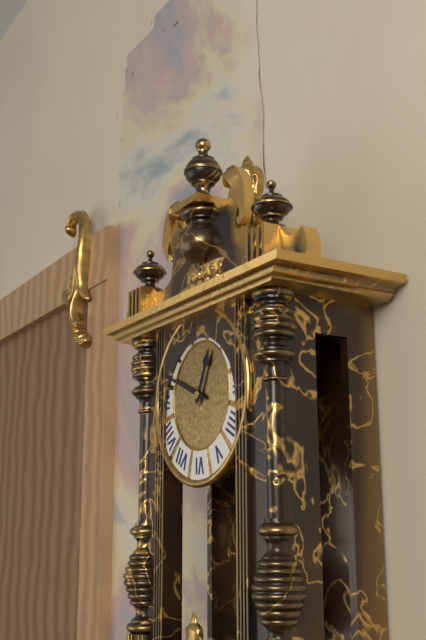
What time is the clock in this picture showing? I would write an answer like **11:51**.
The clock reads **12:49**
